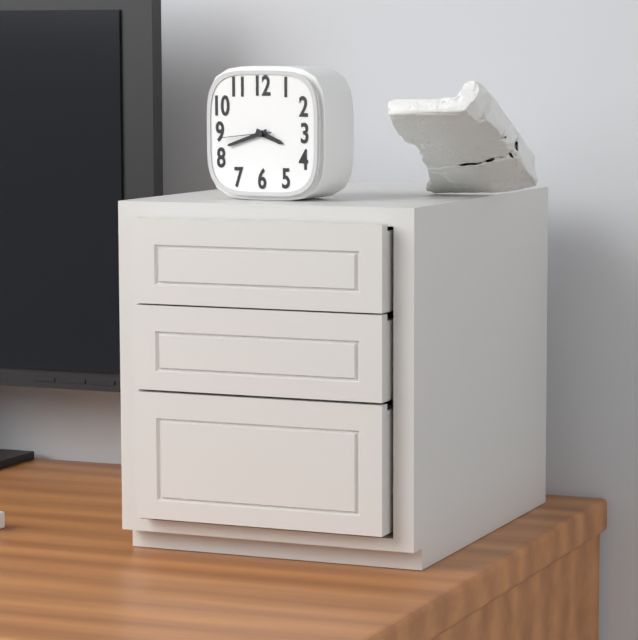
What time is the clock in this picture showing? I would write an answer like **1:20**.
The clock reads **3:42**
